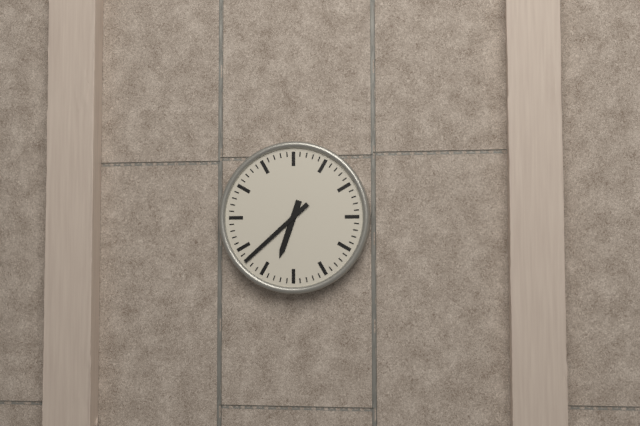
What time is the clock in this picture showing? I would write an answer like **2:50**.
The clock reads **6:38**
